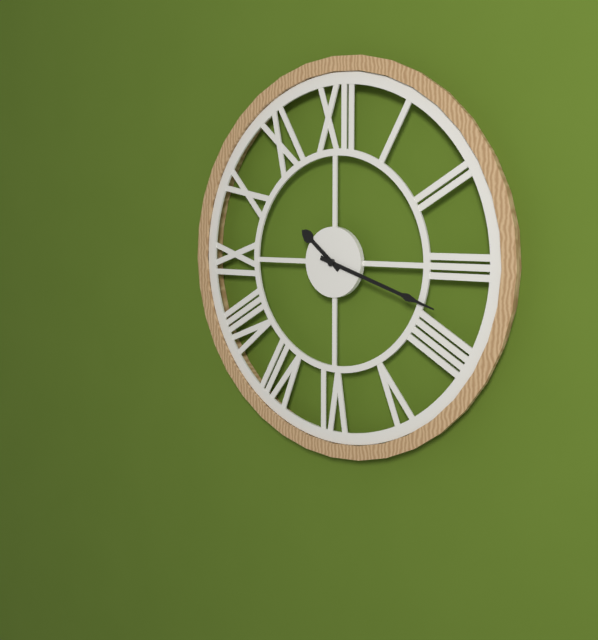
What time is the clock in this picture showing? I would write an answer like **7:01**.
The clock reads **10:18**
